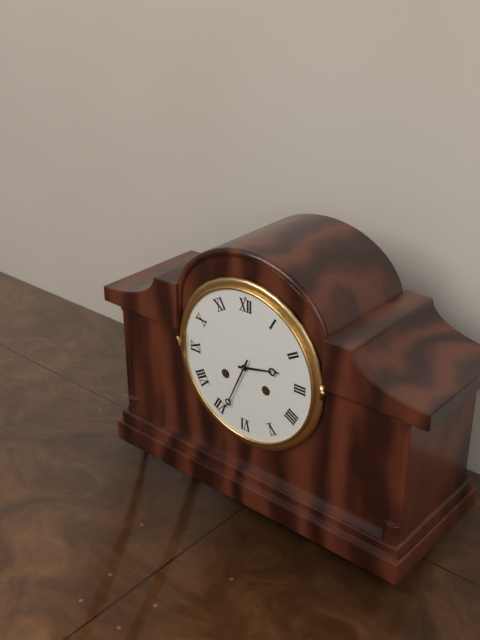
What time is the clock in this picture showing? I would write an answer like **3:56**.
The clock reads **2:34**
